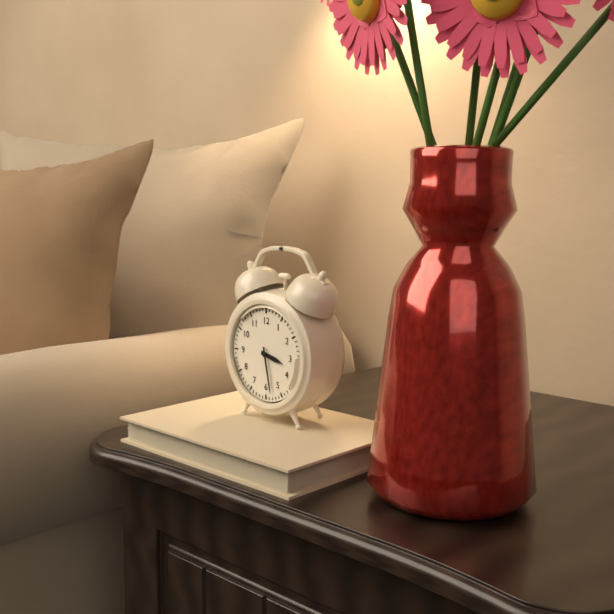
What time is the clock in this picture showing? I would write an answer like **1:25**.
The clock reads **3:28**
